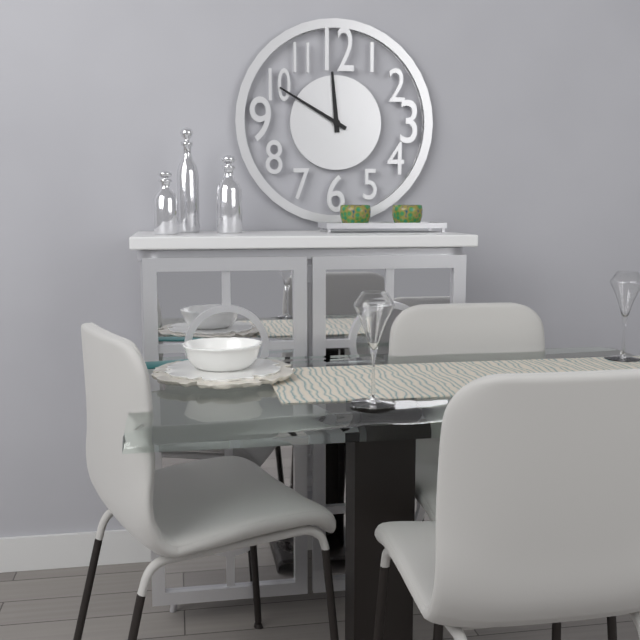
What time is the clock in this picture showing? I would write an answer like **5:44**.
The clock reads **11:50**
